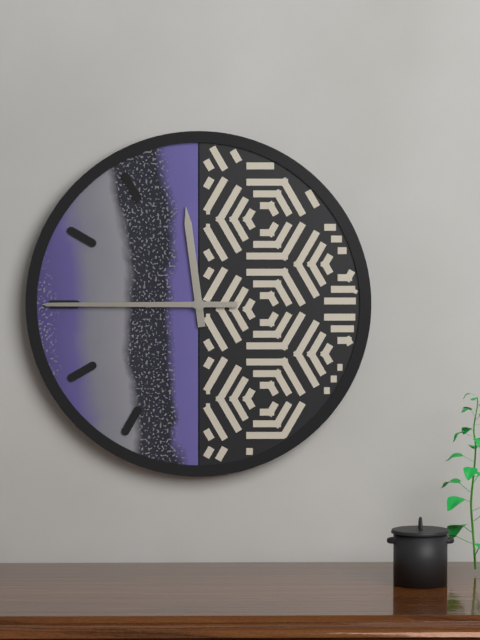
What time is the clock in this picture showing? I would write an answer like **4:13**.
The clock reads **11:45**
